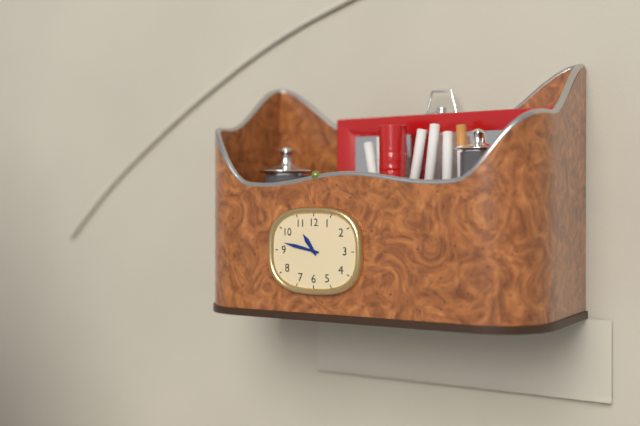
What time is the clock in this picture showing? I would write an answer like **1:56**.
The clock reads **10:47**
